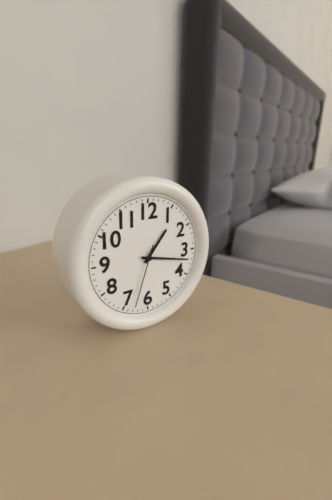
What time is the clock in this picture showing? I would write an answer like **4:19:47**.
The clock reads **1:17:33**
